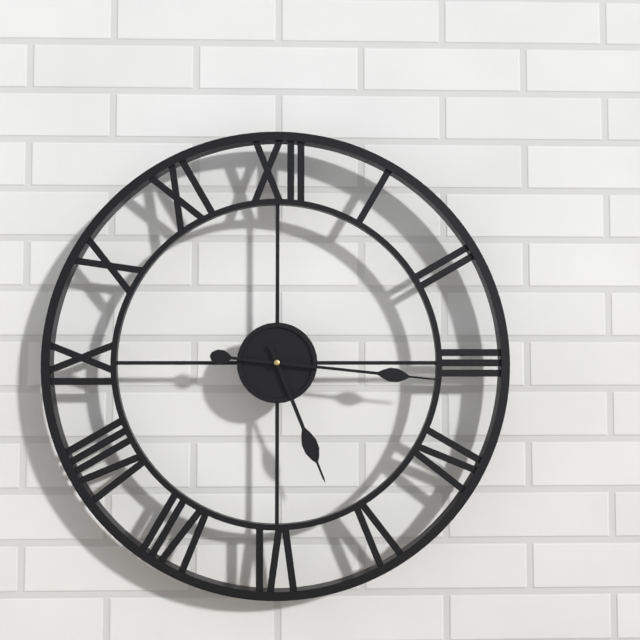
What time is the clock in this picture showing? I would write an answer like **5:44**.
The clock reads **5:16**
